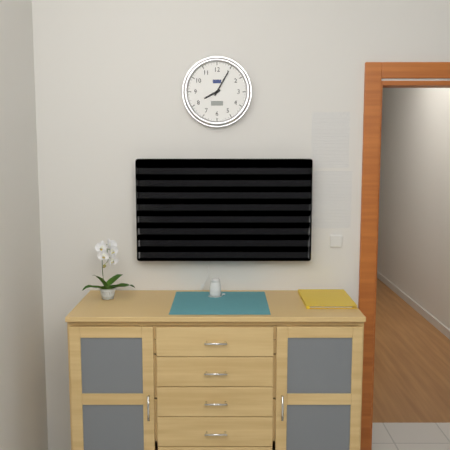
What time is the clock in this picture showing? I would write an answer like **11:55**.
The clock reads **8:05**
